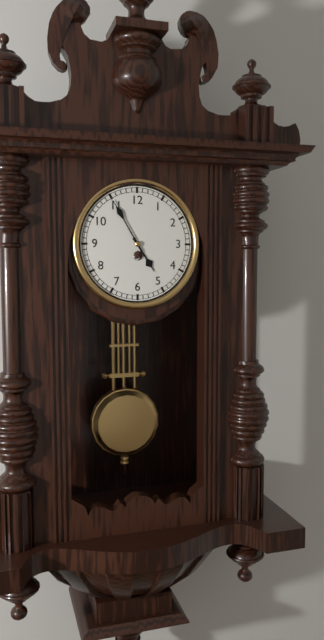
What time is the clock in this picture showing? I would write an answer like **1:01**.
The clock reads **4:55**
